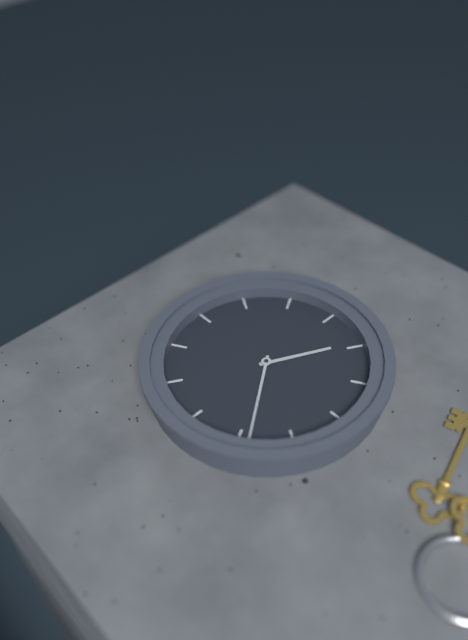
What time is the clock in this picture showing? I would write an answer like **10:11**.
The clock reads **6:54**
